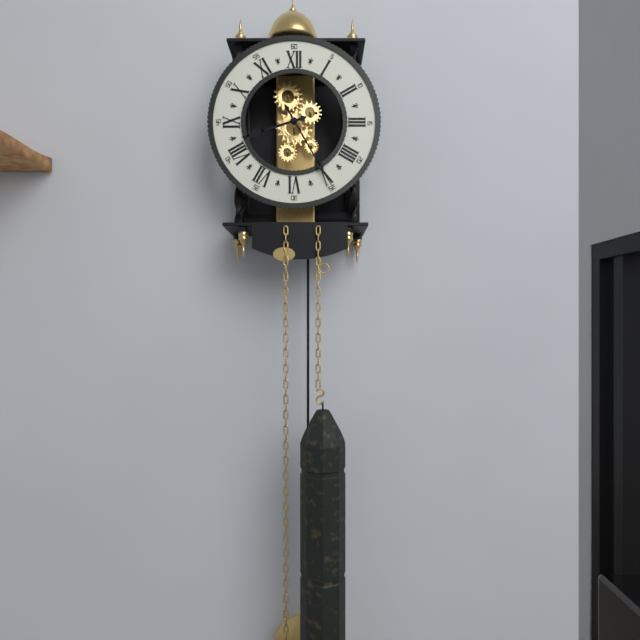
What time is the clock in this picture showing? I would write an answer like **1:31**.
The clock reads **8:25**
